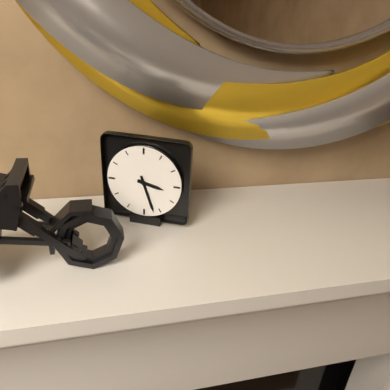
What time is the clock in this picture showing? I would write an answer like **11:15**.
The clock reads **3:27**
